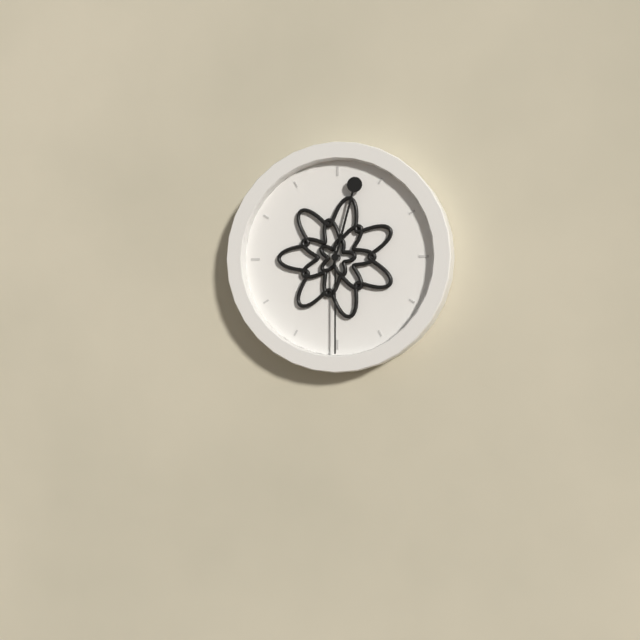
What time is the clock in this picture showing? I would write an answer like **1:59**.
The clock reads **12:30**
